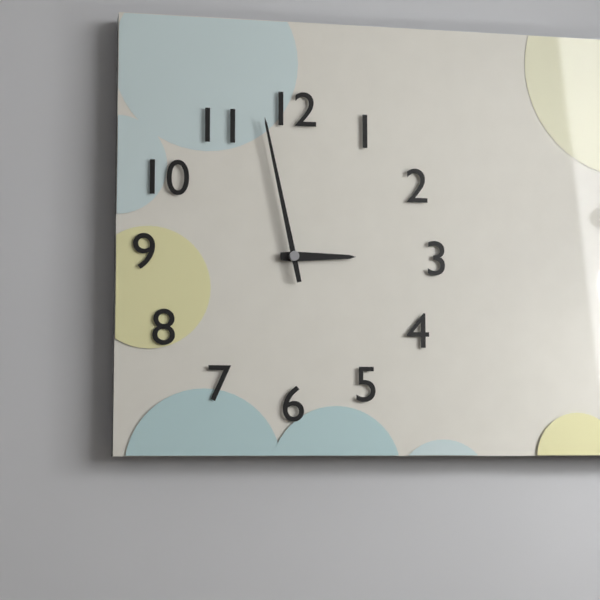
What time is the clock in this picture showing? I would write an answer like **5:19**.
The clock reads **2:58**
